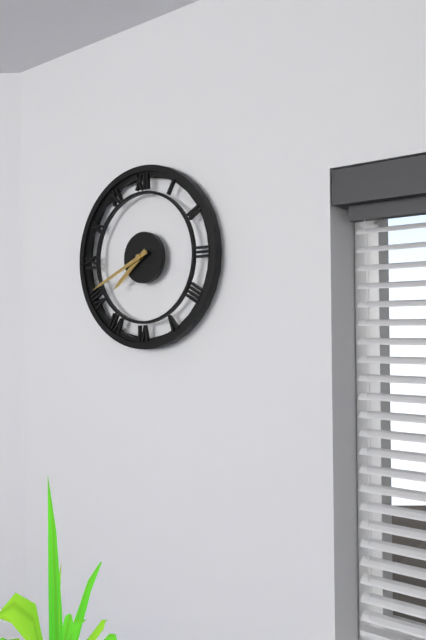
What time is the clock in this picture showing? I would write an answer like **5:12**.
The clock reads **7:41**
